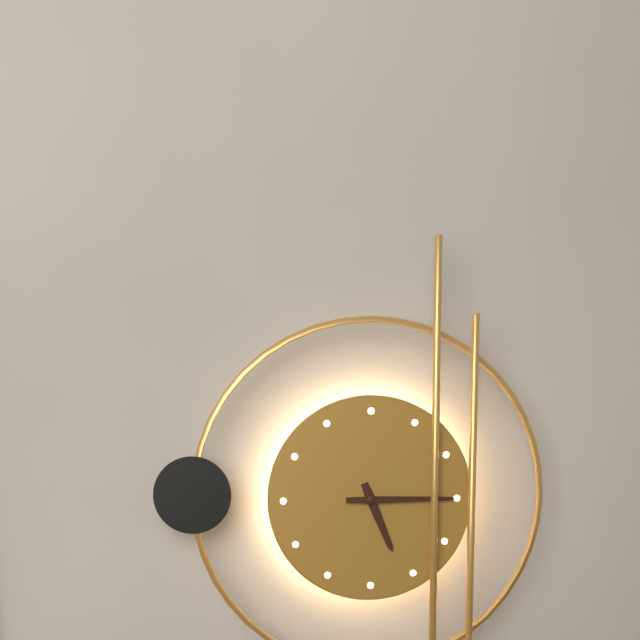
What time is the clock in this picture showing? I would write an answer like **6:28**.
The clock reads **5:15**
